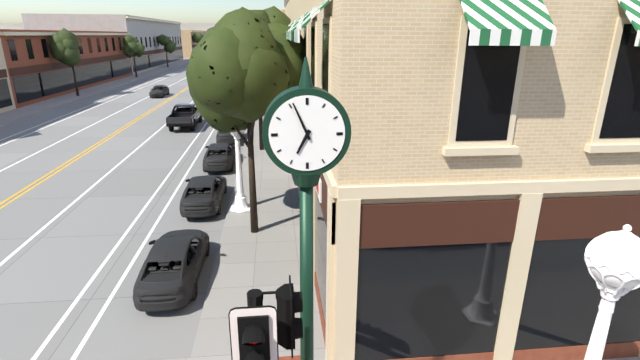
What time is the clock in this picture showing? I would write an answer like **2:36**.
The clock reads **6:56**
